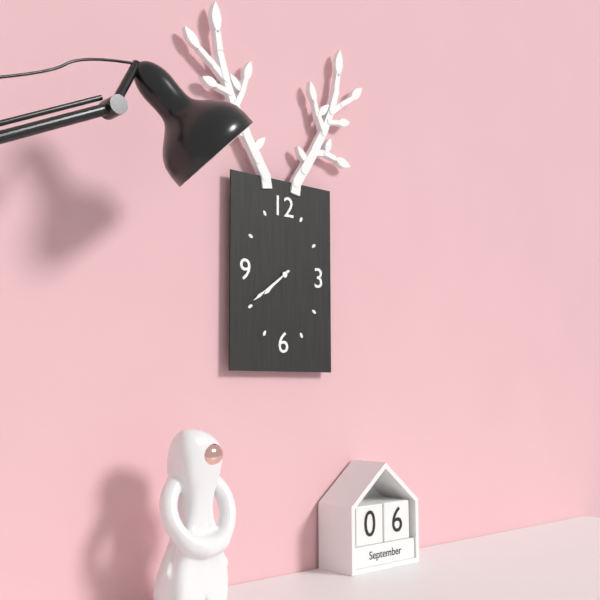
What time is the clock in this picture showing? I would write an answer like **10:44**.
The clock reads **7:39**
